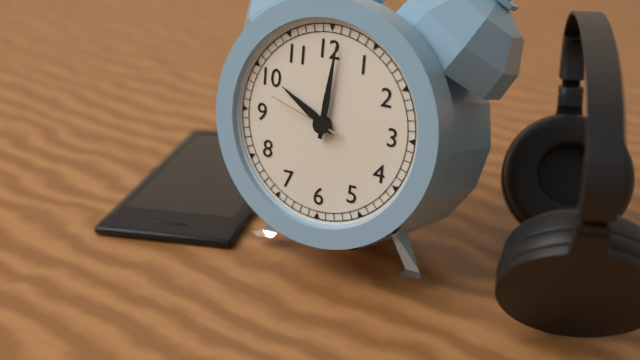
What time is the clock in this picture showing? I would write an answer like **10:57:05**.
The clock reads **10:01:48**
